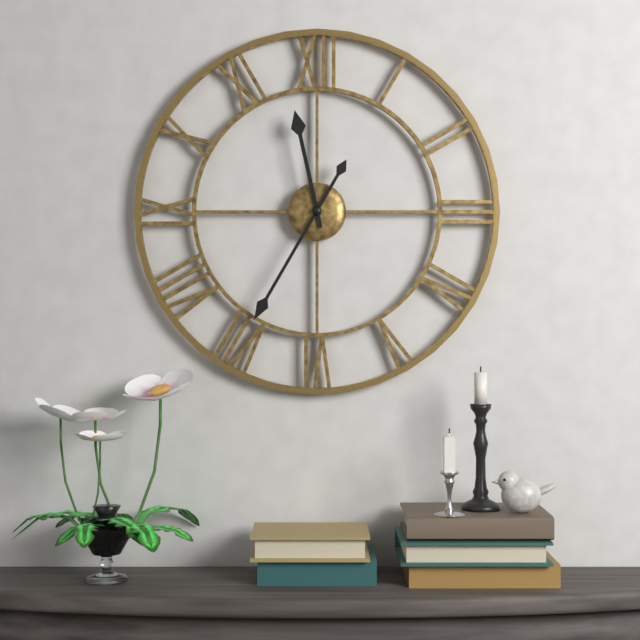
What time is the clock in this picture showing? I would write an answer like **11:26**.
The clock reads **11:35**
